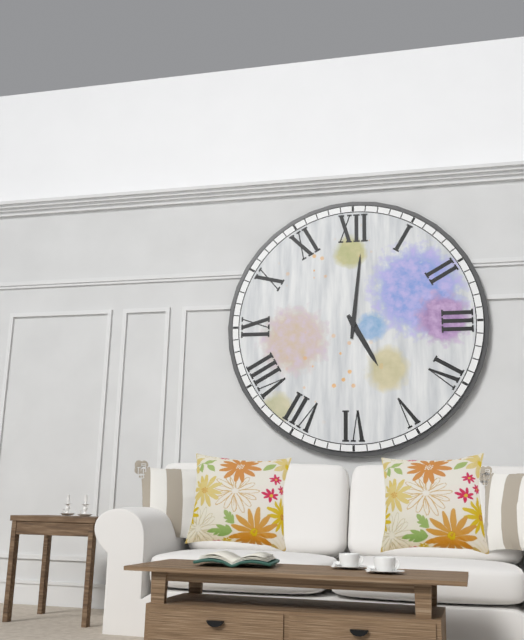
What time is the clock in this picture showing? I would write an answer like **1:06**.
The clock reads **5:01**
